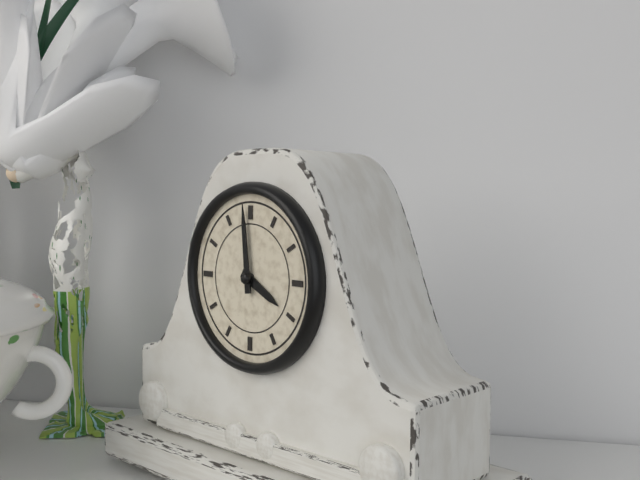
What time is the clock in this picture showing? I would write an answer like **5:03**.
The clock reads **3:59**
